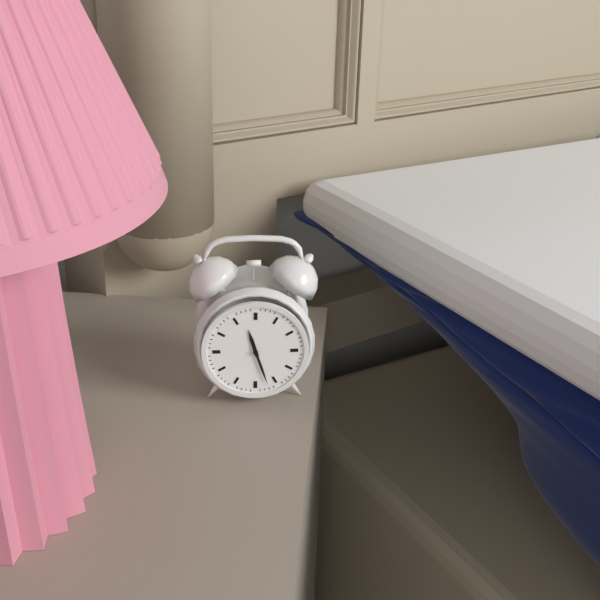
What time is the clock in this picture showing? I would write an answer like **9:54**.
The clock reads **11:27**
